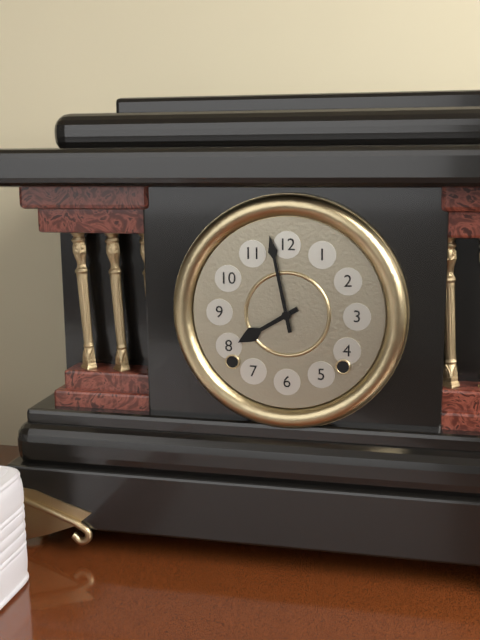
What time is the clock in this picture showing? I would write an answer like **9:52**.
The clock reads **7:58**
